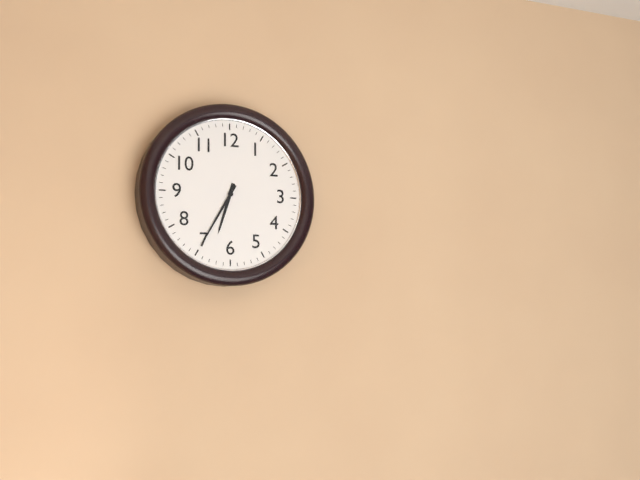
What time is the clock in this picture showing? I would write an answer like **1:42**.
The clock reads **6:35**
